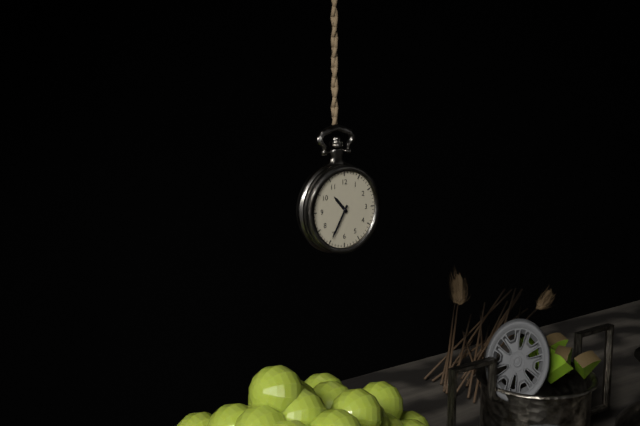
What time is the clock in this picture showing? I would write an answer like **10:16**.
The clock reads **10:35**
